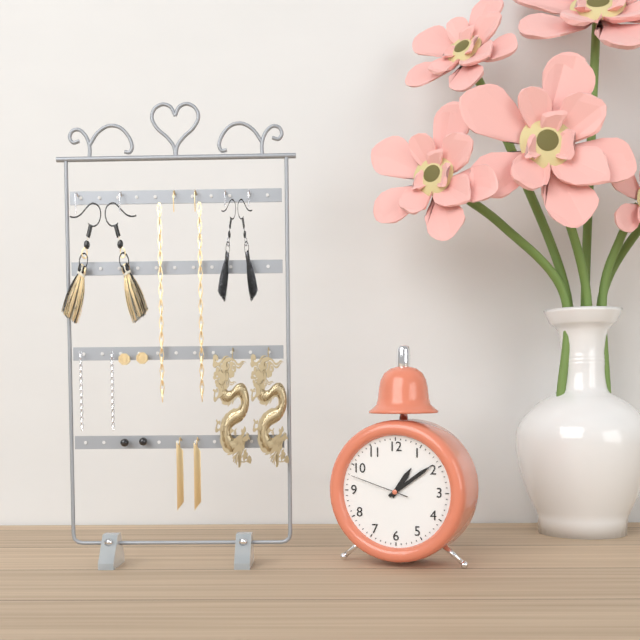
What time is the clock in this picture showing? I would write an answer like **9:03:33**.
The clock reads **1:09:48**
